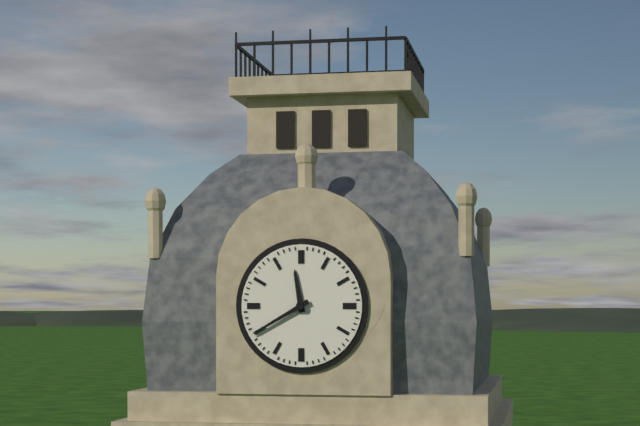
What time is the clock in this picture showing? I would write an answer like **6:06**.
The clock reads **11:40**
